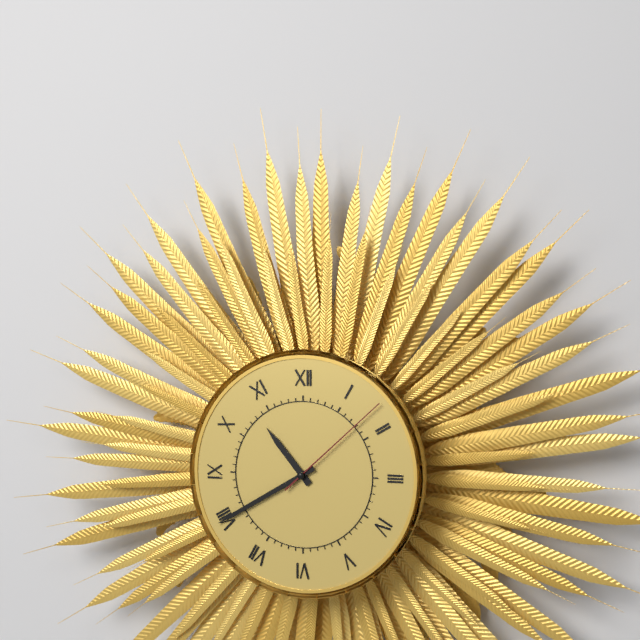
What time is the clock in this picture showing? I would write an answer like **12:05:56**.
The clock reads **10:40:08**
